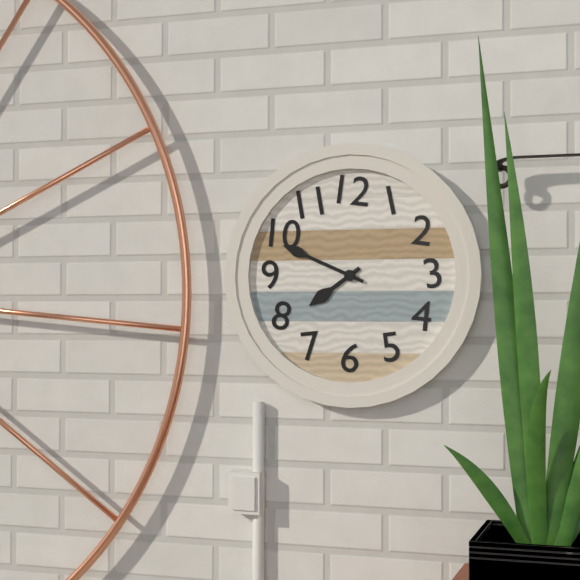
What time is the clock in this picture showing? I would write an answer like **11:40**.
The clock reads **7:49**
